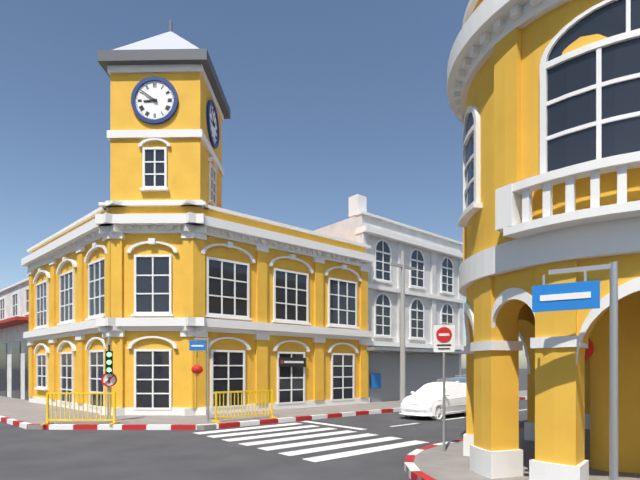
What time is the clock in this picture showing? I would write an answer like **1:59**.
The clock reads **8:51**
